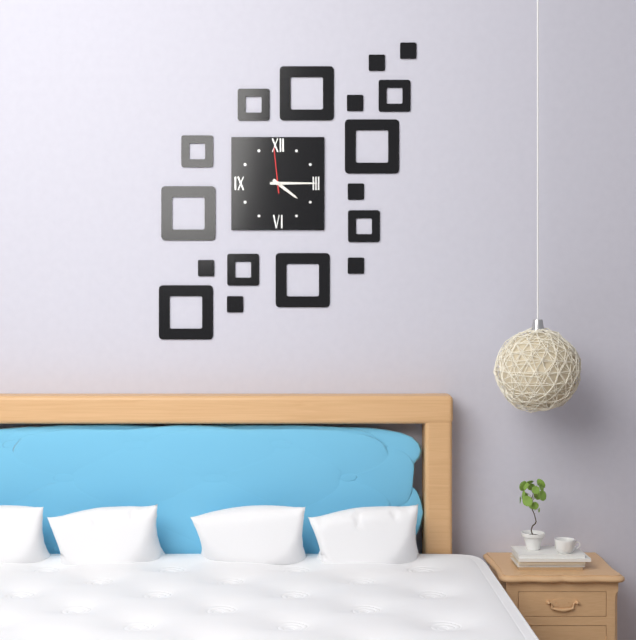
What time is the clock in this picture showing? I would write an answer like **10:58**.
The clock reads **4:15**
